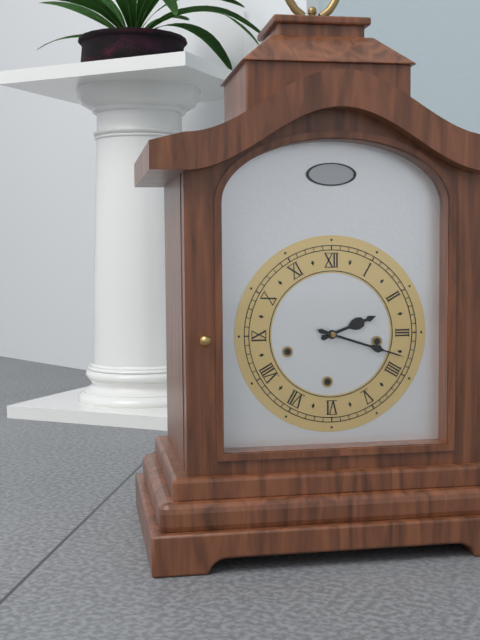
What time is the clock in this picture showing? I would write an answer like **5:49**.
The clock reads **2:18**
